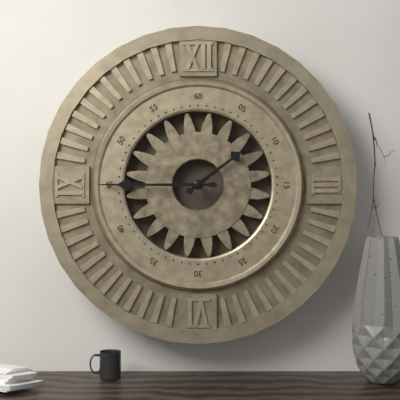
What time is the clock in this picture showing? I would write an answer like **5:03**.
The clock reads **1:45**
